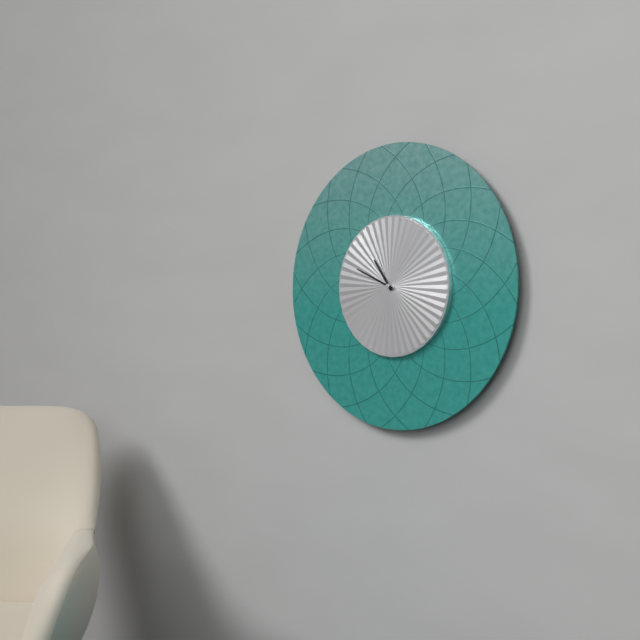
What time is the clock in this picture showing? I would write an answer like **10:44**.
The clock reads **10:49**
